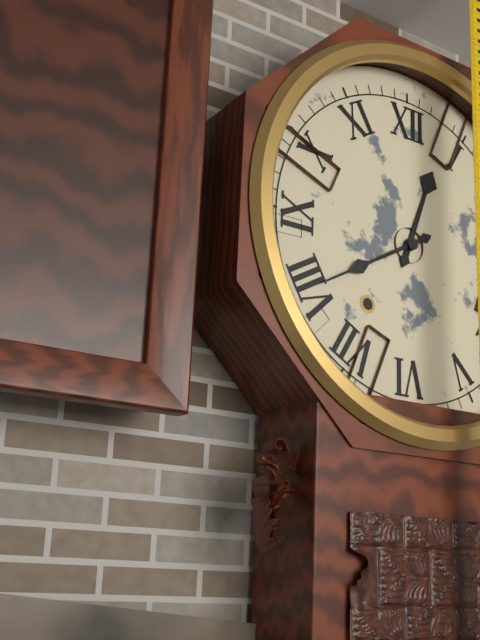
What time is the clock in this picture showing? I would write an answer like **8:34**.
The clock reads **12:40**
